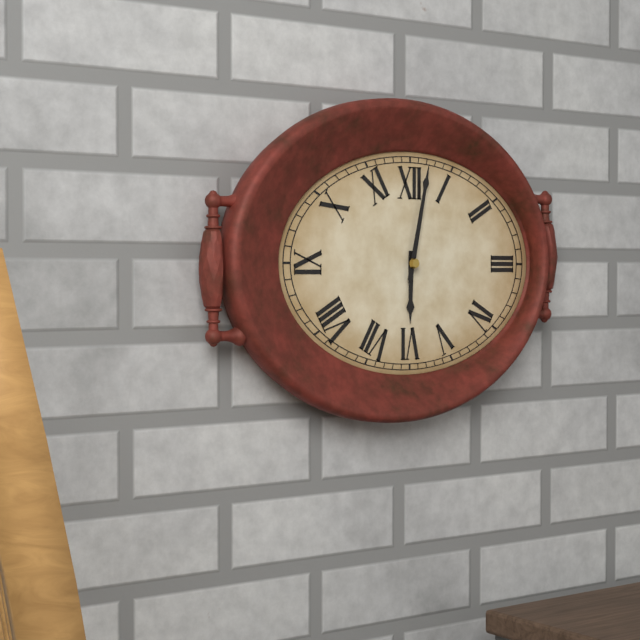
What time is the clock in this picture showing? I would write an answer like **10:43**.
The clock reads **6:02**
